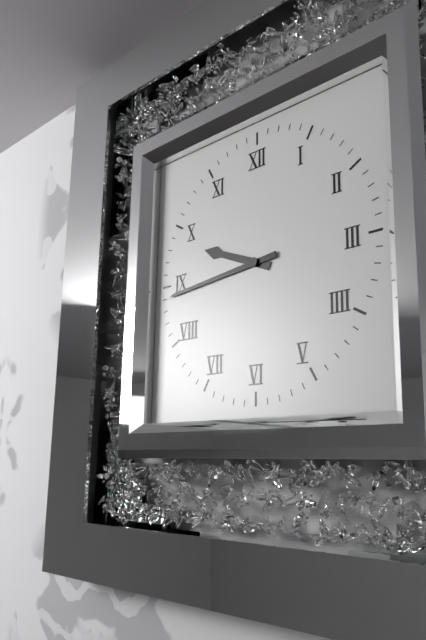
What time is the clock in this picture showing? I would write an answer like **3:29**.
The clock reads **9:44**
